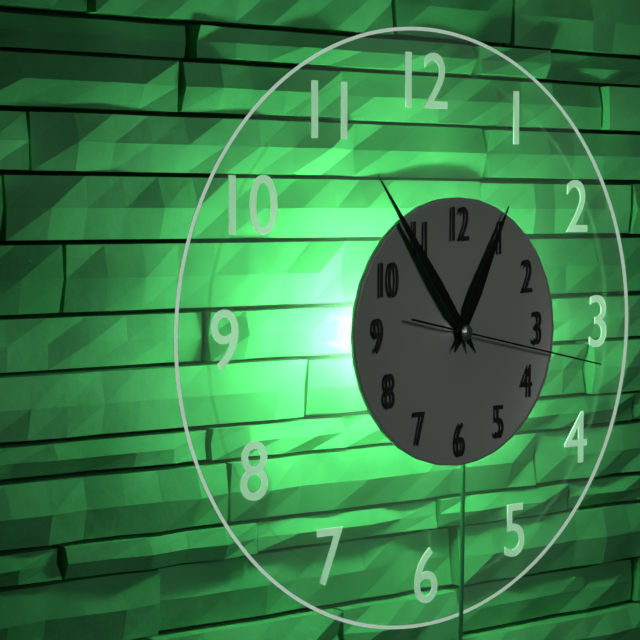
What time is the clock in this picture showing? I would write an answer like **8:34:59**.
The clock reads **12:54:17**
